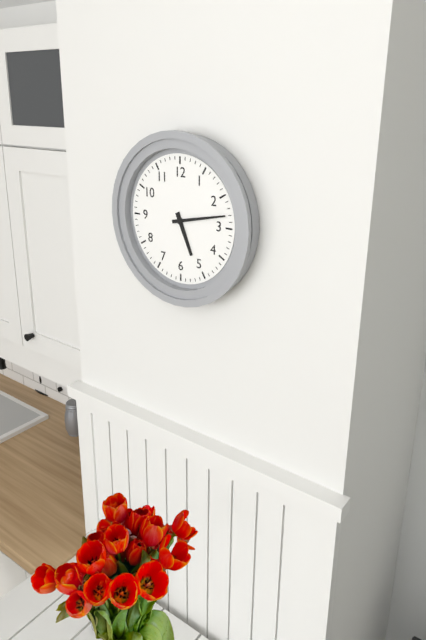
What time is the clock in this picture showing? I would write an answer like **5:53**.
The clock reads **5:13**
